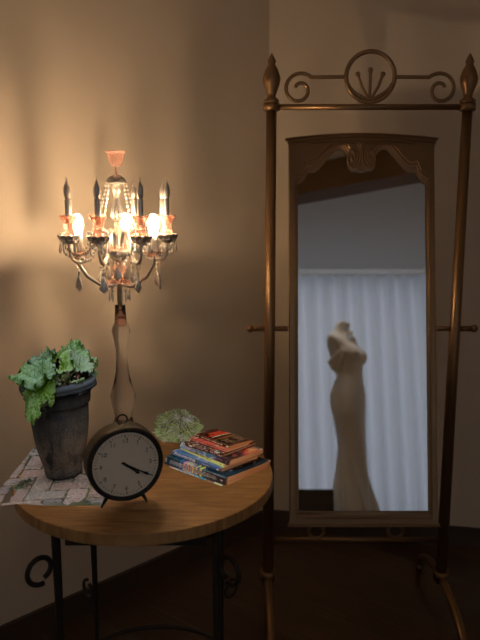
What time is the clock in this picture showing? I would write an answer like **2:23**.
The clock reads **4:20**
